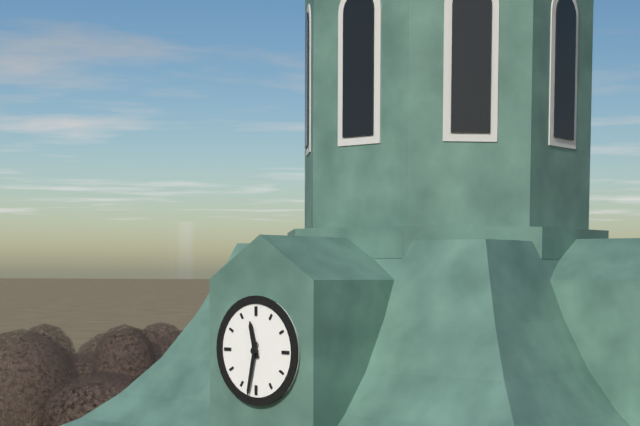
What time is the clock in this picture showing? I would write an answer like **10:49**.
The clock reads **11:32**
